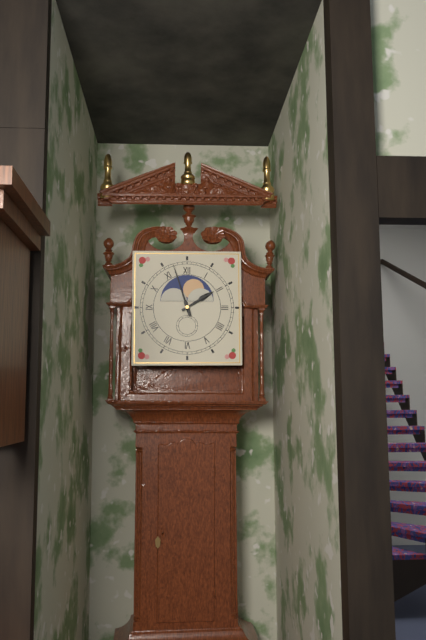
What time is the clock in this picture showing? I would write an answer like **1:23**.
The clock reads **1:57**
